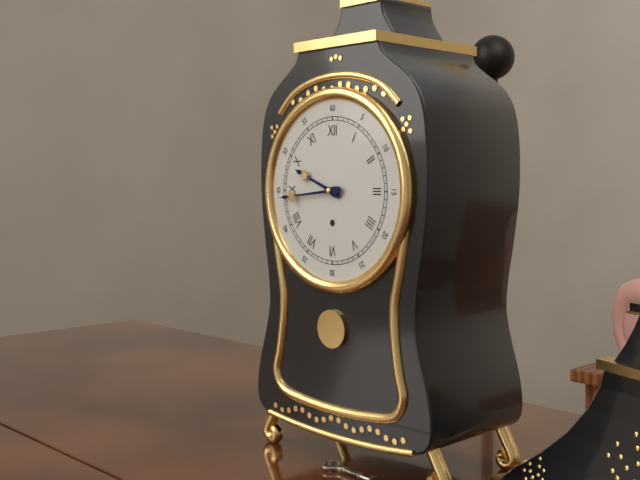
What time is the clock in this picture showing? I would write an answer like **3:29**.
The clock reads **9:44**
